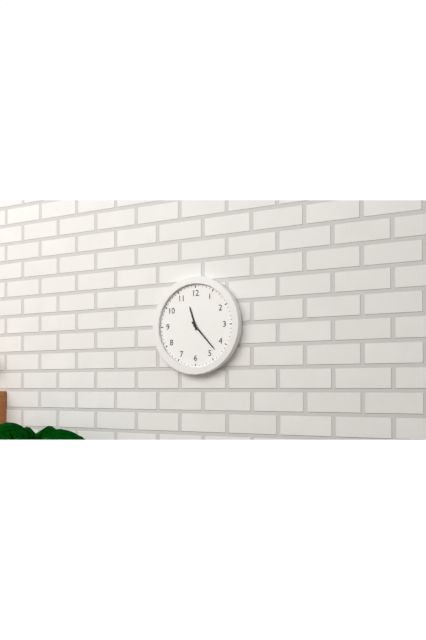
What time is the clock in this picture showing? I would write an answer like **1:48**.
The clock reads **11:23**
